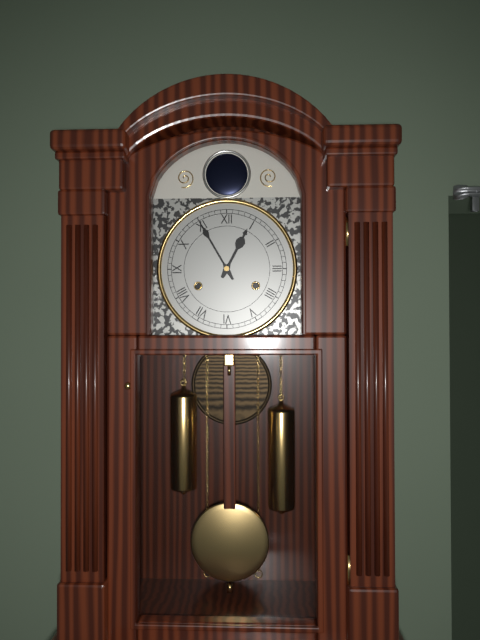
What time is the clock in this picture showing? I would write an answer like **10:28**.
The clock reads **12:55**
